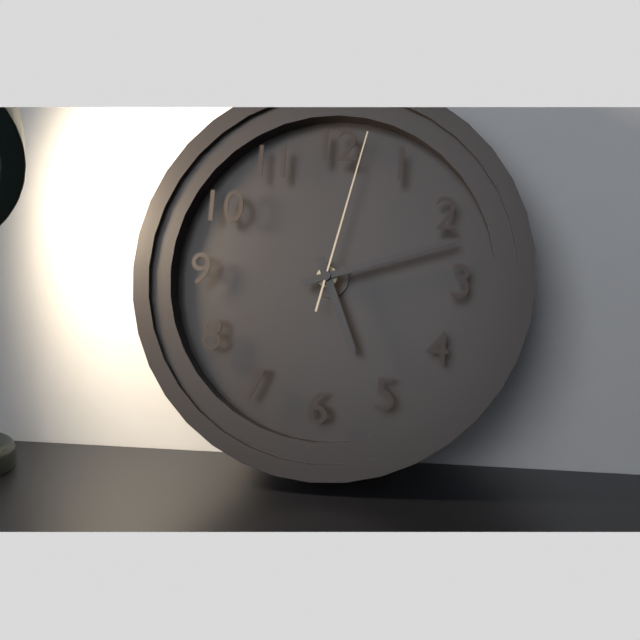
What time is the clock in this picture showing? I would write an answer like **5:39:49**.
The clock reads **5:12:02**
